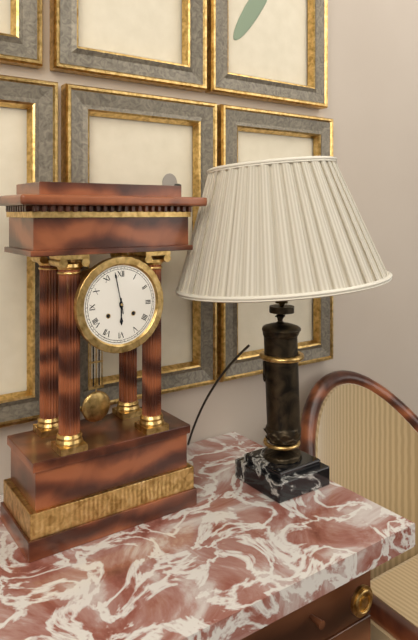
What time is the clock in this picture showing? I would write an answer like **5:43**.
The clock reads **5:58**
